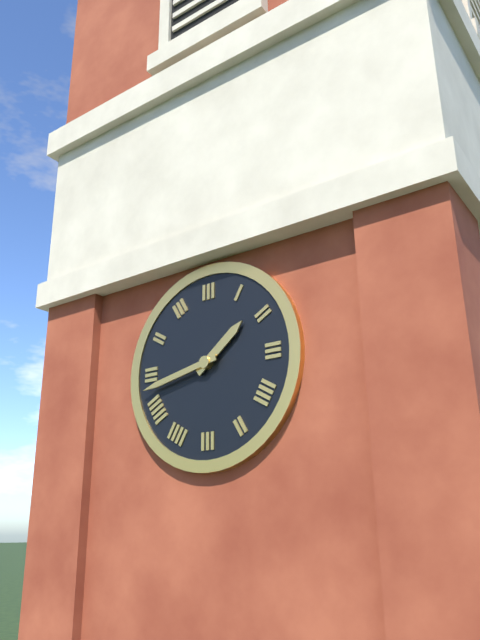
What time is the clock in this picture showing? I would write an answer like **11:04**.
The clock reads **1:43**
